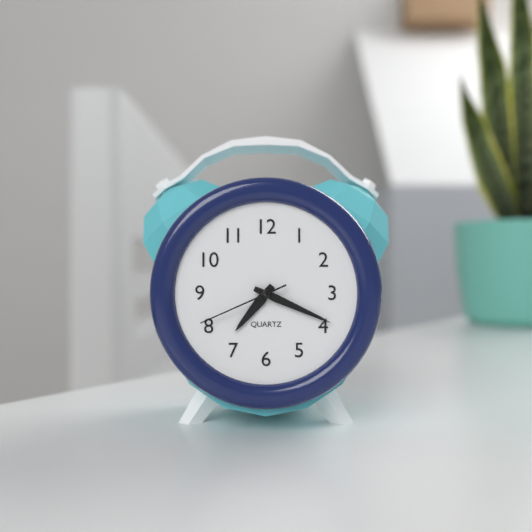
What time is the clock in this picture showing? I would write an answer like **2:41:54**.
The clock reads **7:19:41**
